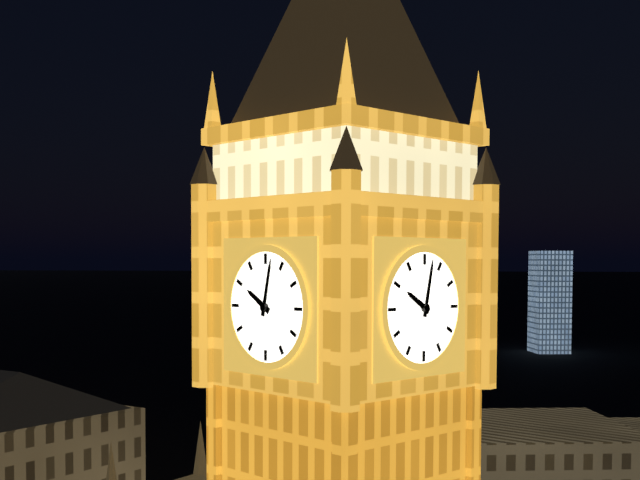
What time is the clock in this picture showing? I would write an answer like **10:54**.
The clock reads **10:02**
